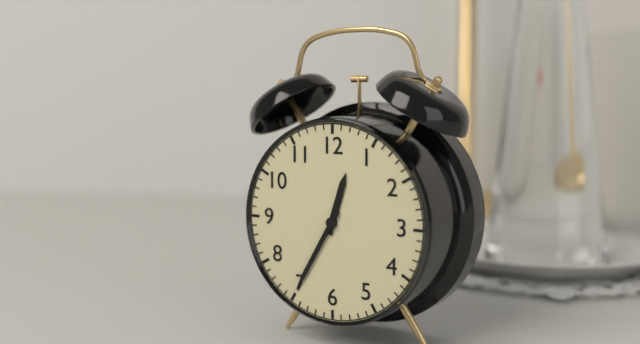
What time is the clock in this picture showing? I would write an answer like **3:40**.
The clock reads **12:35**
